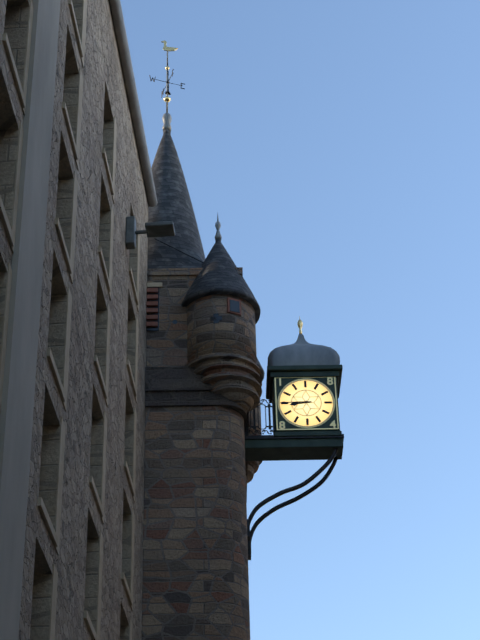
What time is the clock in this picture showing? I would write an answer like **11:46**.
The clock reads **8:45**
